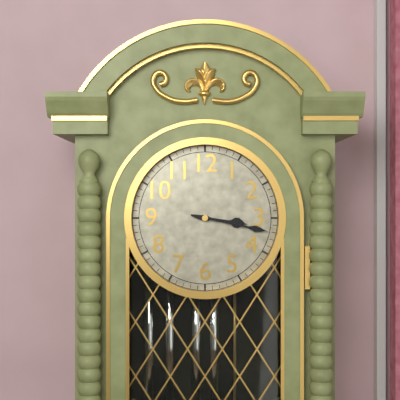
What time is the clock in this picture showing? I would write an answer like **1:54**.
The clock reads **3:17**
